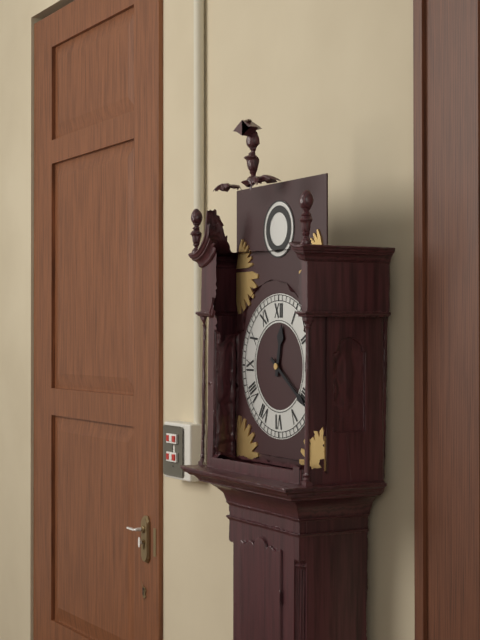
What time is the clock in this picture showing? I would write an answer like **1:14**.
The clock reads **12:21**
